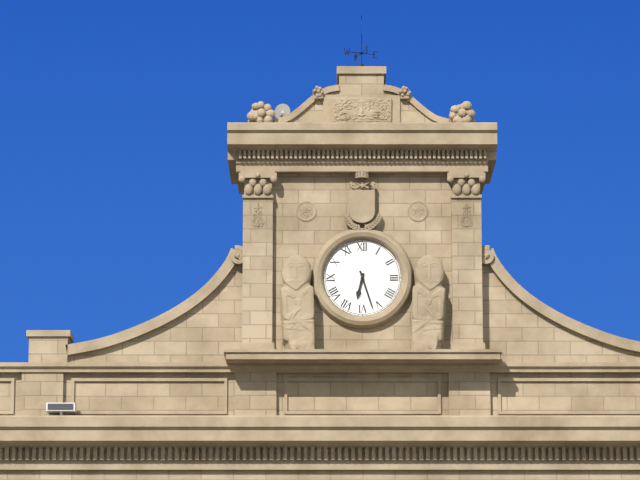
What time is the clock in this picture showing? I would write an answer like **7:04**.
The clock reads **6:27**
